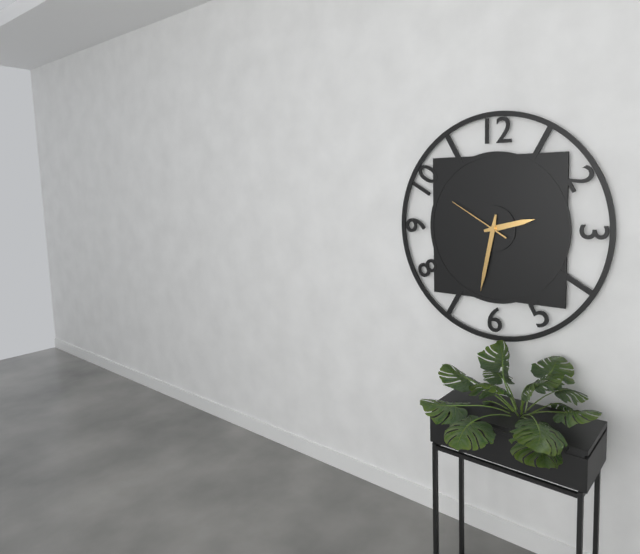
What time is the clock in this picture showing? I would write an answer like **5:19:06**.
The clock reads **2:32:50**
